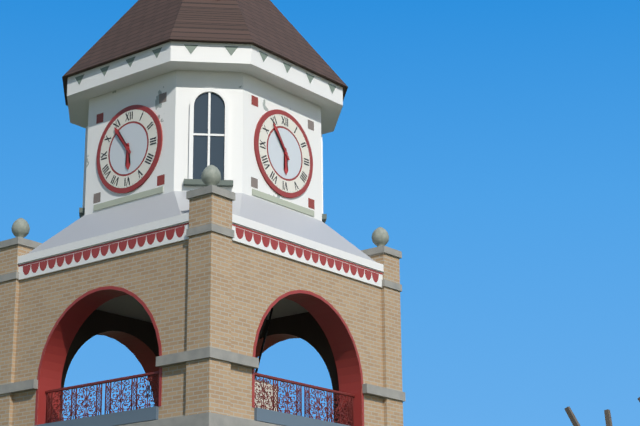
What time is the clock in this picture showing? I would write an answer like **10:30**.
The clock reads **5:54**
